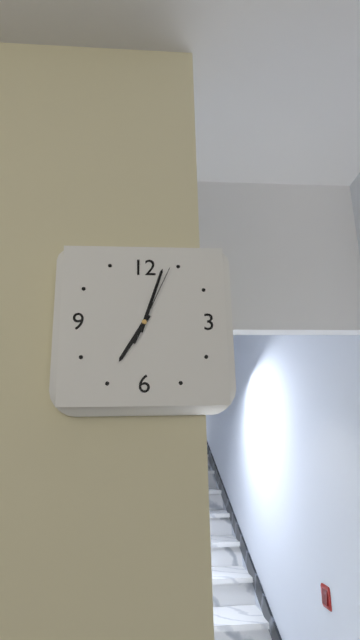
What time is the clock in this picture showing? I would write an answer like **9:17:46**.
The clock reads **7:03:04**
